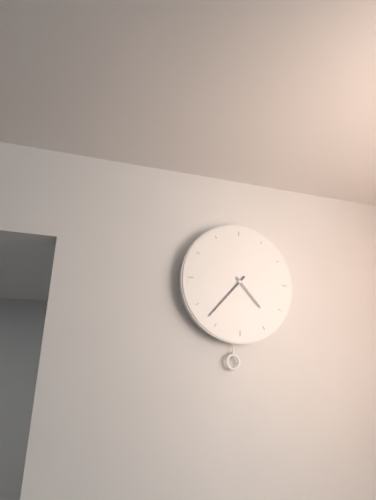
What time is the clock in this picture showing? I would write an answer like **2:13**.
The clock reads **4:37**
